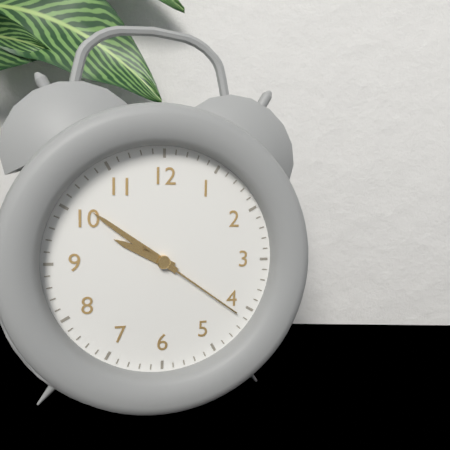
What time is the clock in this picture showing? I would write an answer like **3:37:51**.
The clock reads **9:51:21**
